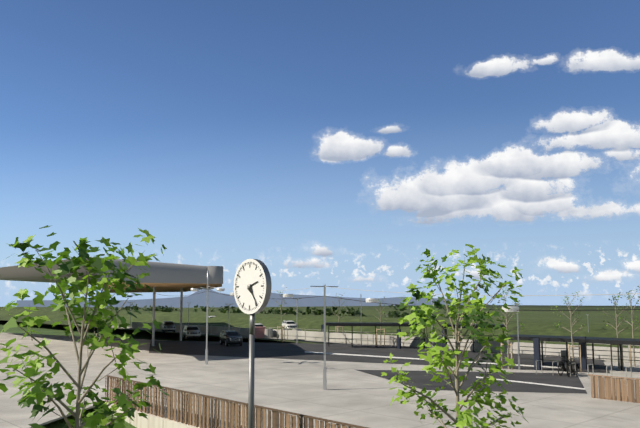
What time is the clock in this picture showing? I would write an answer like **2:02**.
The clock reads **2:24**
